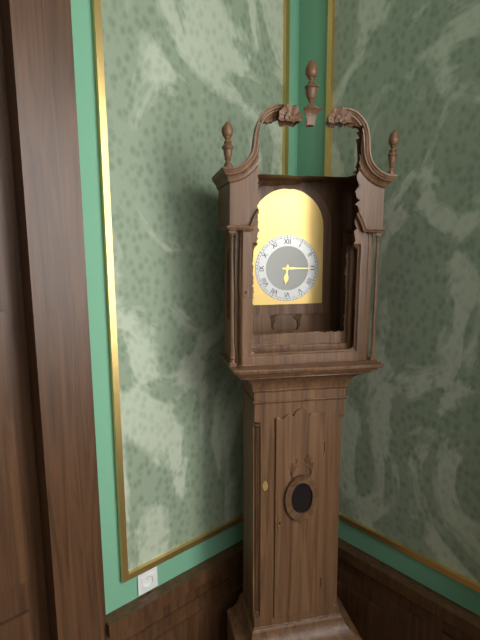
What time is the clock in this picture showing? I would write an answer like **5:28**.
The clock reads **6:15**
